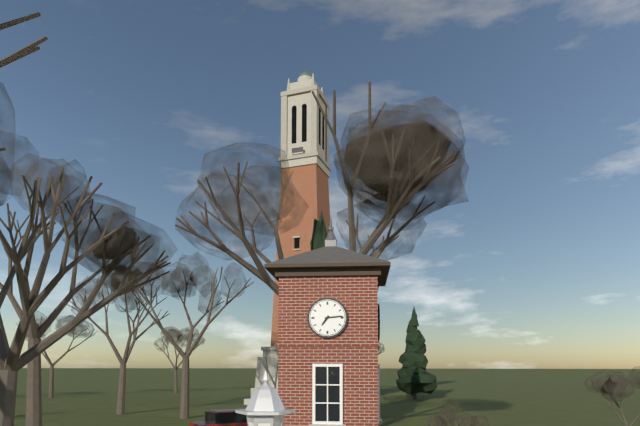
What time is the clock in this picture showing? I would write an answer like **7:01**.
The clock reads **7:14**
